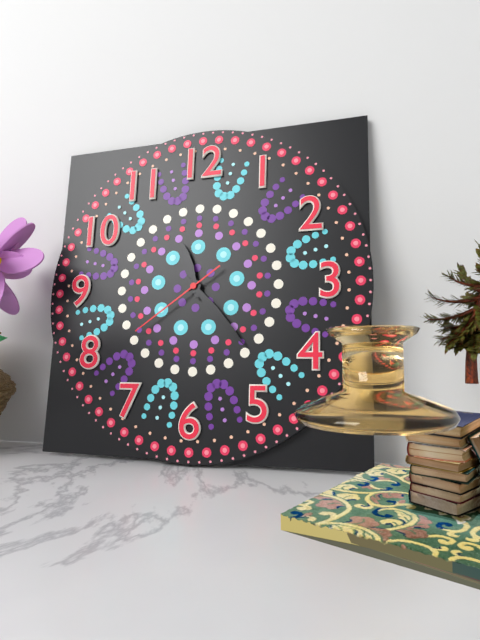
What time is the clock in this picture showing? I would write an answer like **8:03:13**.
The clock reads **11:23:39**
